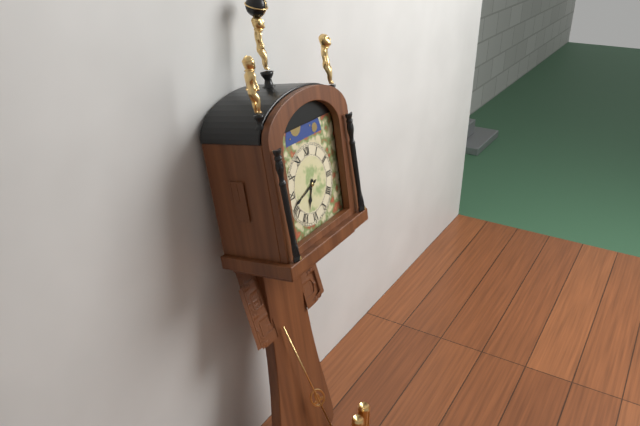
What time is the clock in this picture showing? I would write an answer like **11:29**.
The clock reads **6:42**
